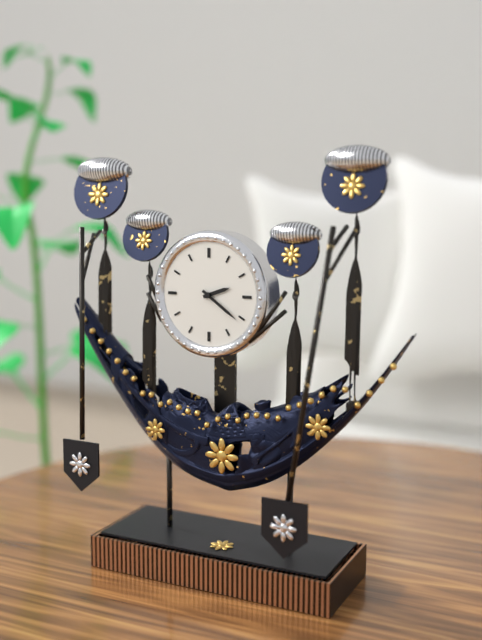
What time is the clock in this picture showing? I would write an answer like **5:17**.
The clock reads **2:21**
